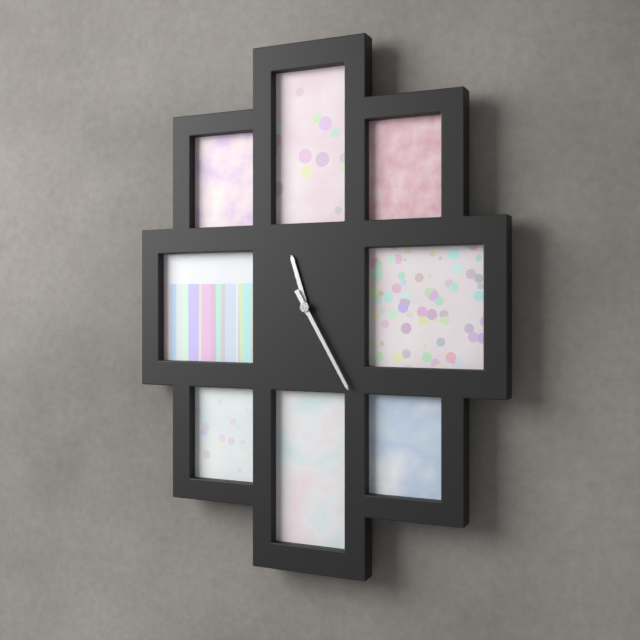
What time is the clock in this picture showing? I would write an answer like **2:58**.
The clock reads **11:25**
